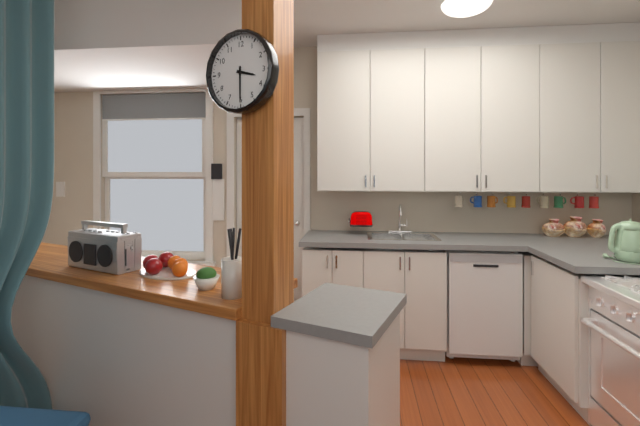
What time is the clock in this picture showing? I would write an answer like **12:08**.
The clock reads **3:30**
